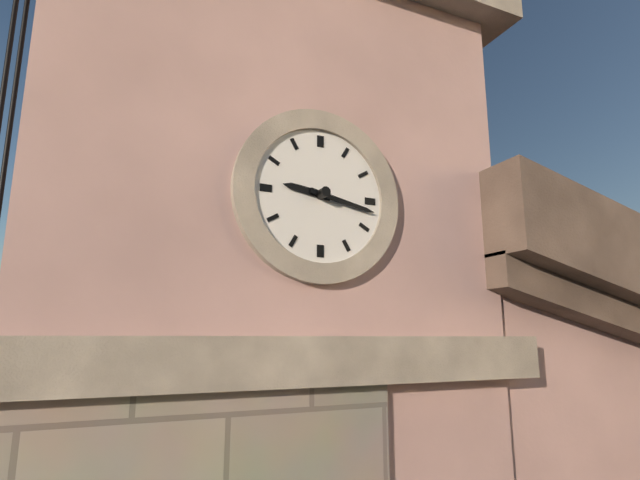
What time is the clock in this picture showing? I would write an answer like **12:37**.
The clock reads **9:17**
